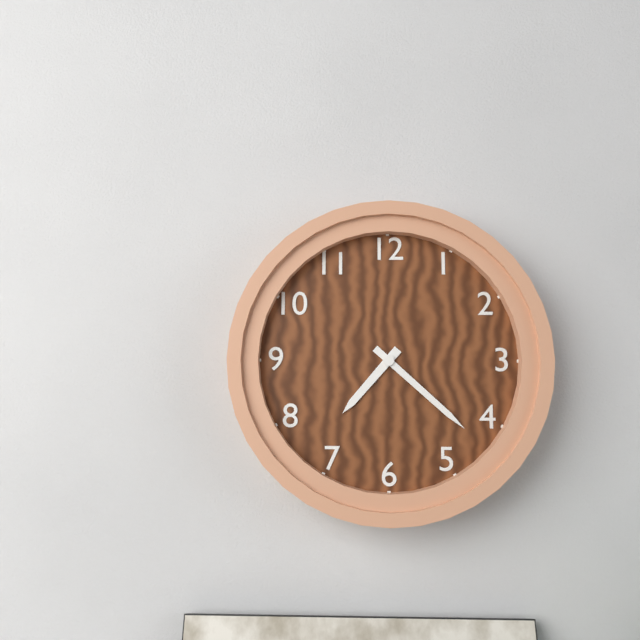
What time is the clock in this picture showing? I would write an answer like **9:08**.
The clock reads **7:22**
